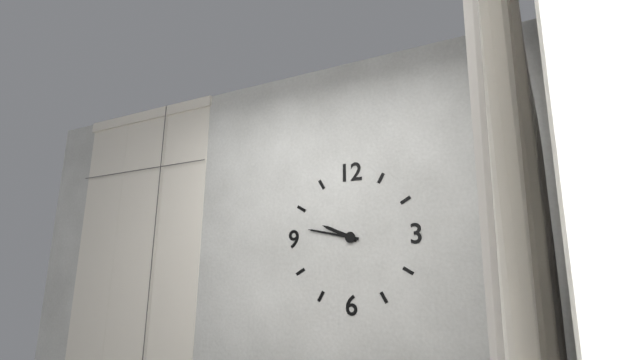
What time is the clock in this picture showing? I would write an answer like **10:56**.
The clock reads **9:47**
